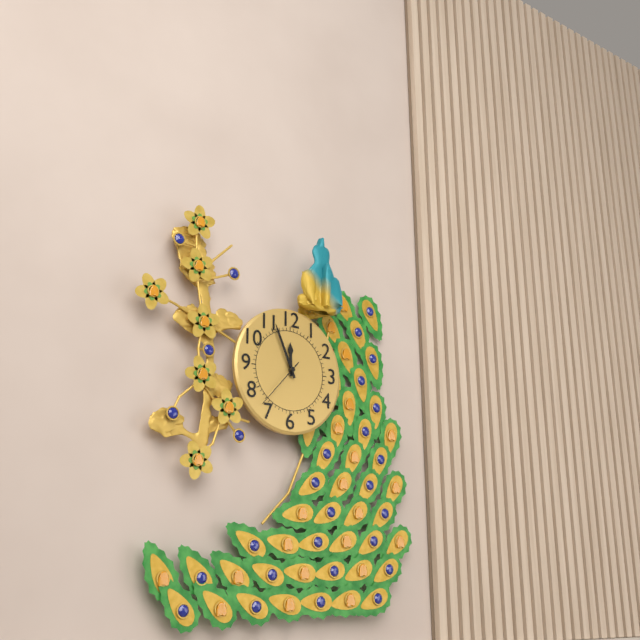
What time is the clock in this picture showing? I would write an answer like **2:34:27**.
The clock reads **11:56:37**
